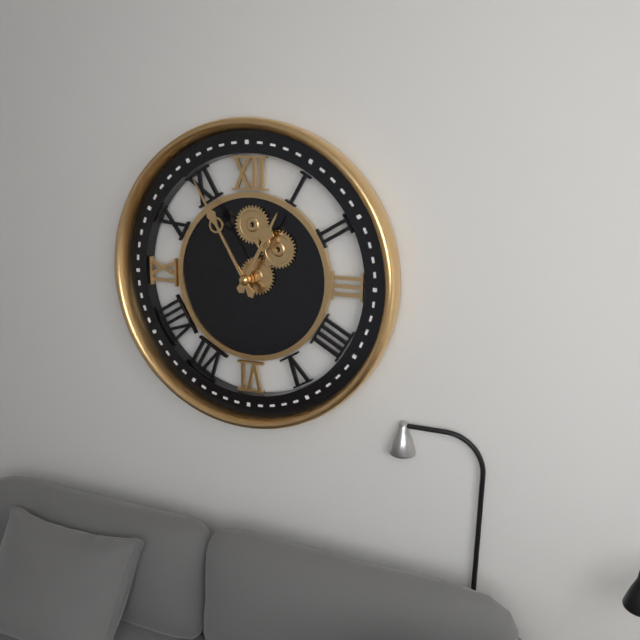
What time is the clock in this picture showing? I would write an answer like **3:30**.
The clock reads **12:55**
